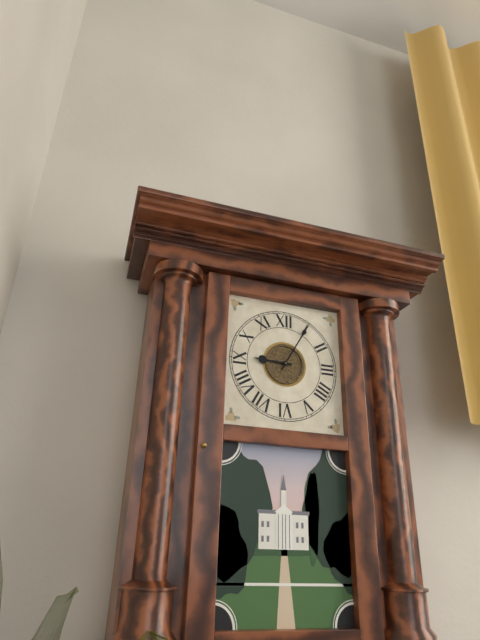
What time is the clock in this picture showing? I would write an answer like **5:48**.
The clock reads **9:05**
